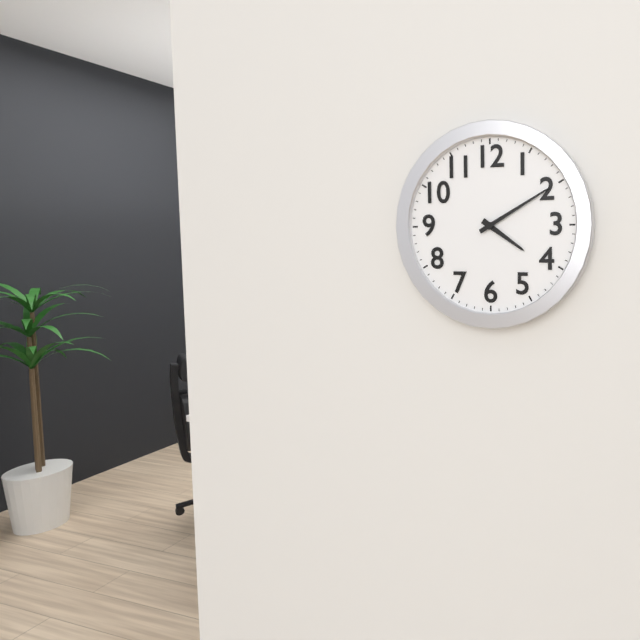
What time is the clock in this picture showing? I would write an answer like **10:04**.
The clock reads **4:10**
